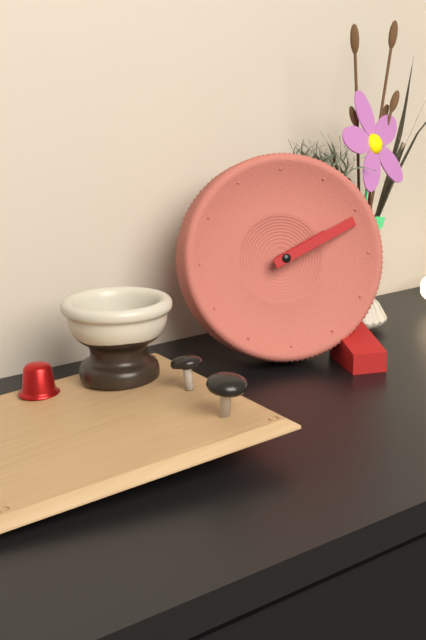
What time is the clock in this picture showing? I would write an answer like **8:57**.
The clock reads **2:11**
